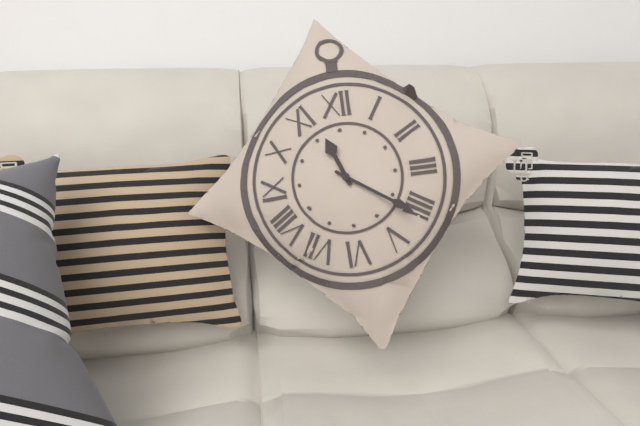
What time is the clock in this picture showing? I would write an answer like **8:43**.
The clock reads **11:21**
